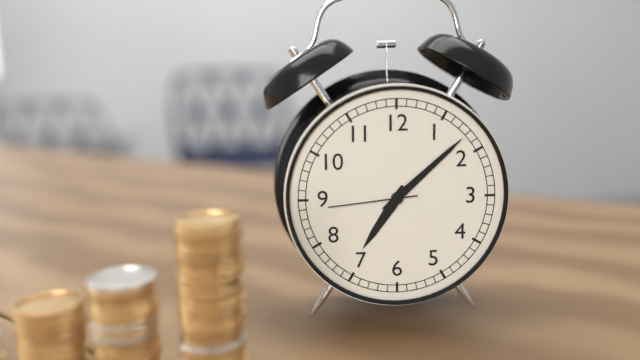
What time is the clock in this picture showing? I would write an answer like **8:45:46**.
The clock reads **7:08:44**
